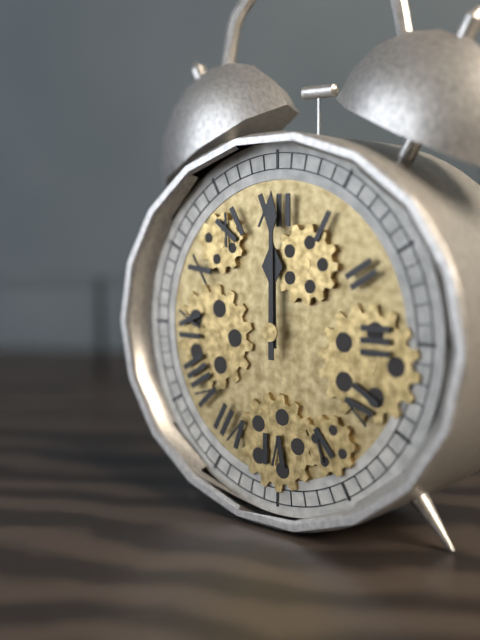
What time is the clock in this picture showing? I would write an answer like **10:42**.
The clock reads **12:00**
